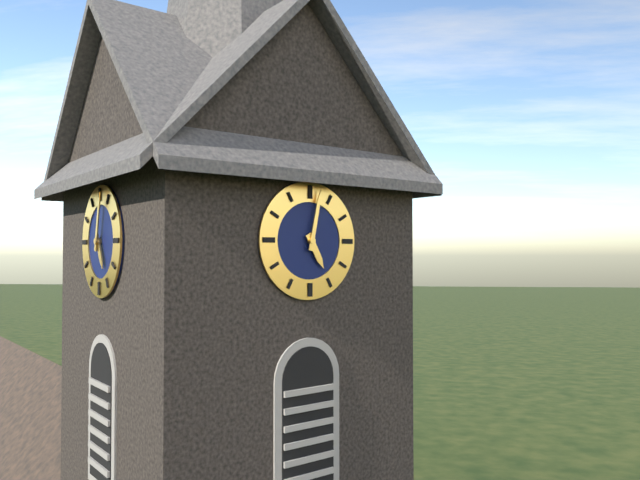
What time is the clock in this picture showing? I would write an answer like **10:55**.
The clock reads **5:02**
